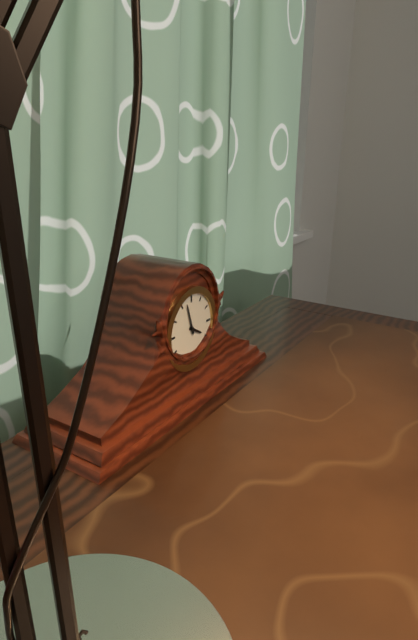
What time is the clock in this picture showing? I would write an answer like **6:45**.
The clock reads **3:57**
